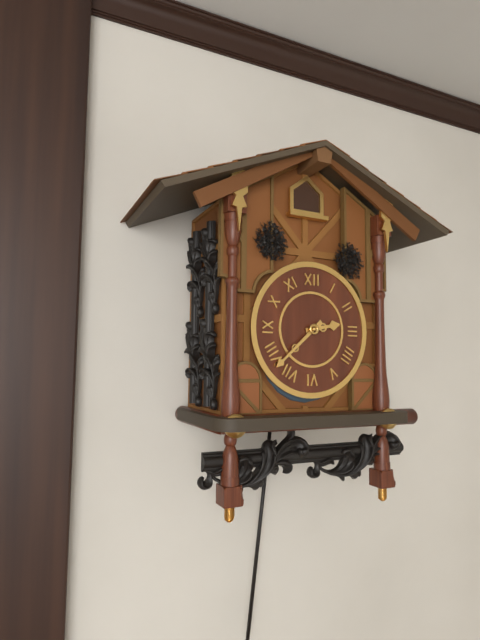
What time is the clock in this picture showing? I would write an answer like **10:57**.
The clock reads **2:38**
